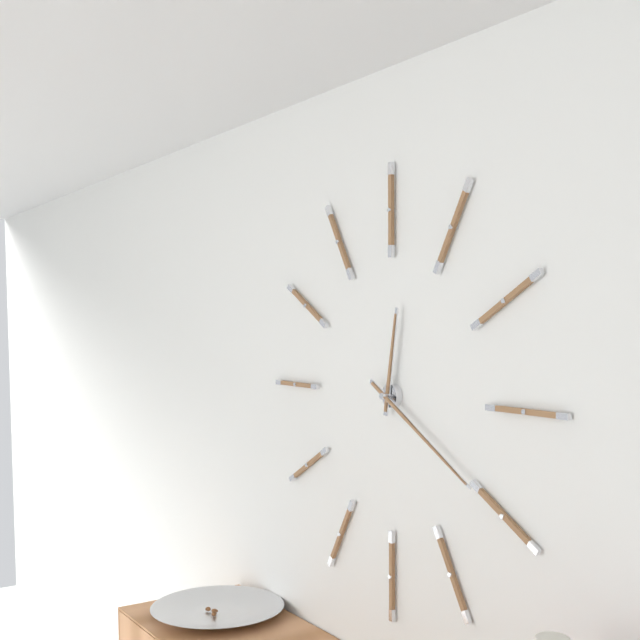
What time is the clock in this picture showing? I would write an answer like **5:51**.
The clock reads **12:20**
